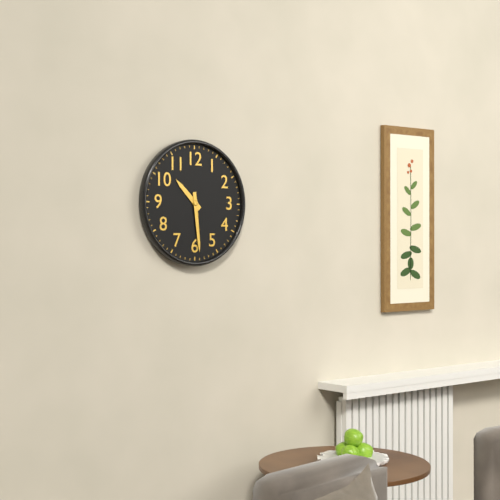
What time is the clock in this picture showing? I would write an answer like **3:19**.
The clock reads **10:29**
